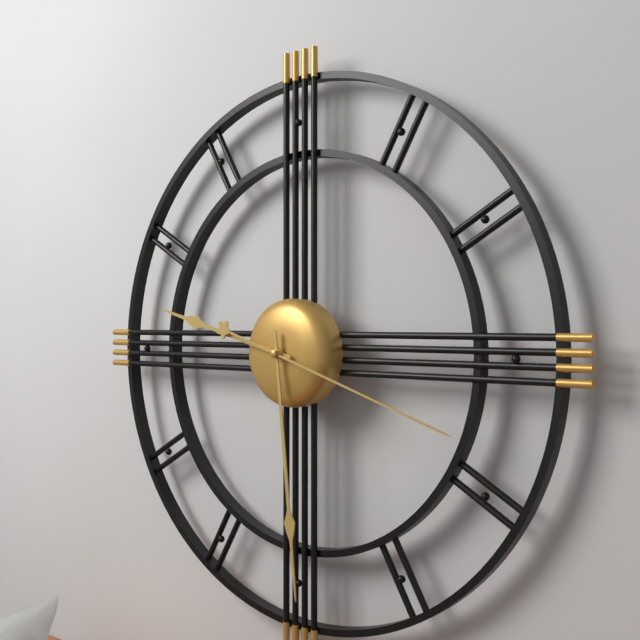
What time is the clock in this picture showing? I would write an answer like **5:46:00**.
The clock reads **9:29:18**
